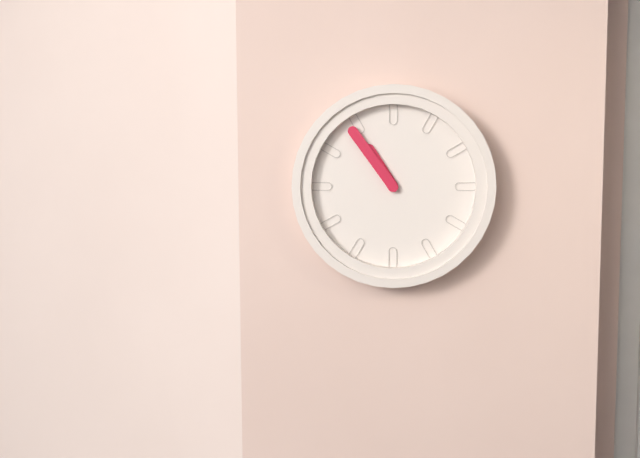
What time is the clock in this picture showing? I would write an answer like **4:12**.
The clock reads **10:54**
